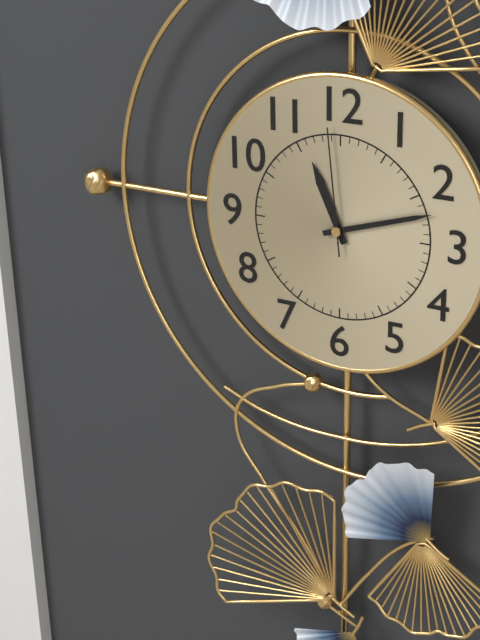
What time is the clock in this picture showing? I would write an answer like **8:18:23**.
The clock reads **11:12:59**
